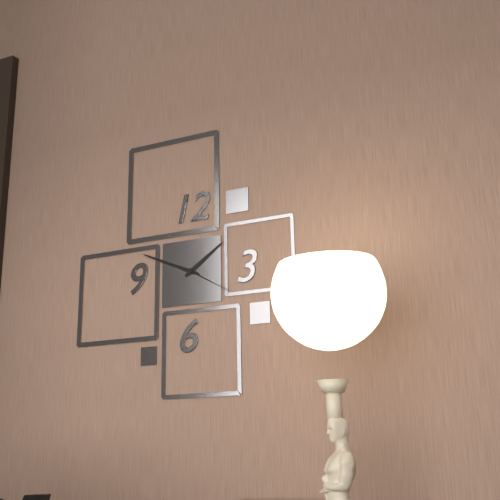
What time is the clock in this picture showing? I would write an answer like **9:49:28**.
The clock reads **1:49:20**
